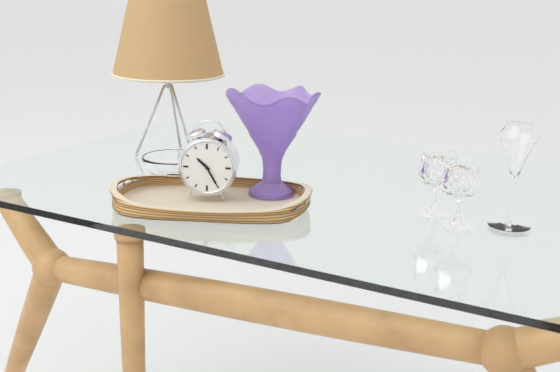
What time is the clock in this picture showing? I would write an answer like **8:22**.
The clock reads **10:25**
